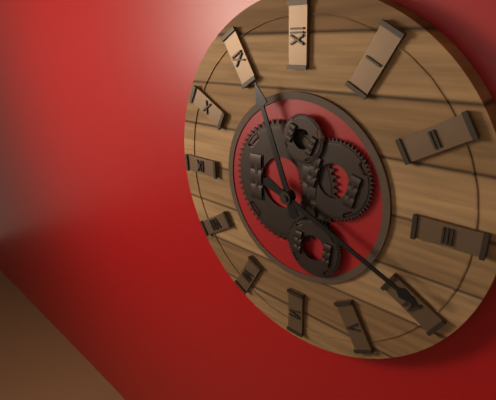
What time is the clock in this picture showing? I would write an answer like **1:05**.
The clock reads **11:19**
